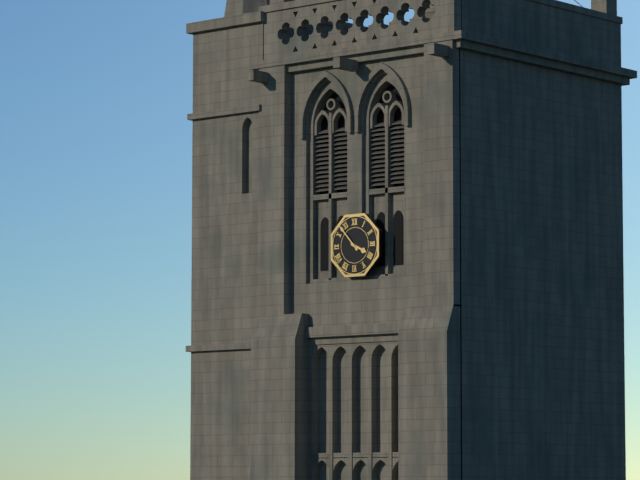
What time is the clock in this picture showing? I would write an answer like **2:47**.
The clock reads **3:53**
